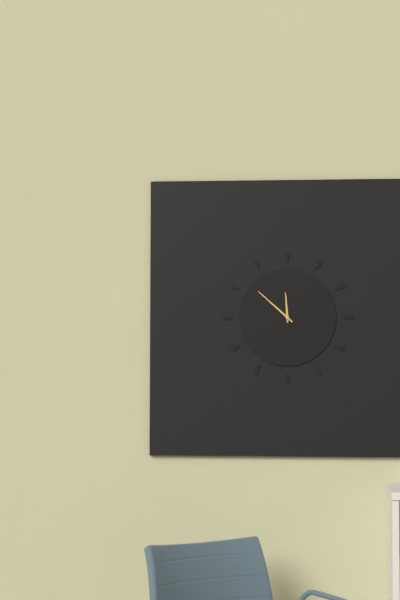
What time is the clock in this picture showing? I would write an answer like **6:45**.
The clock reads **11:52**
